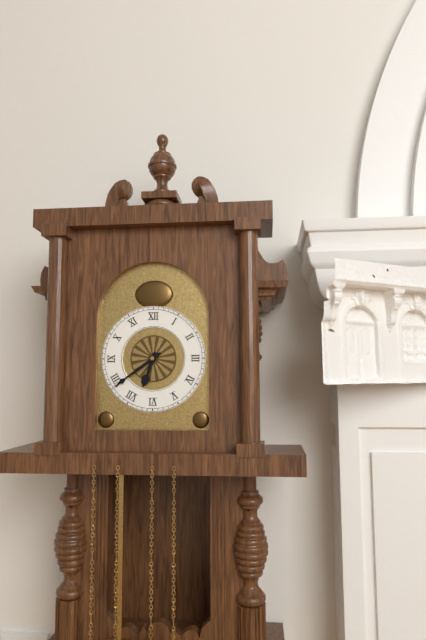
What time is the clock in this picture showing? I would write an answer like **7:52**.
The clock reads **6:39**
